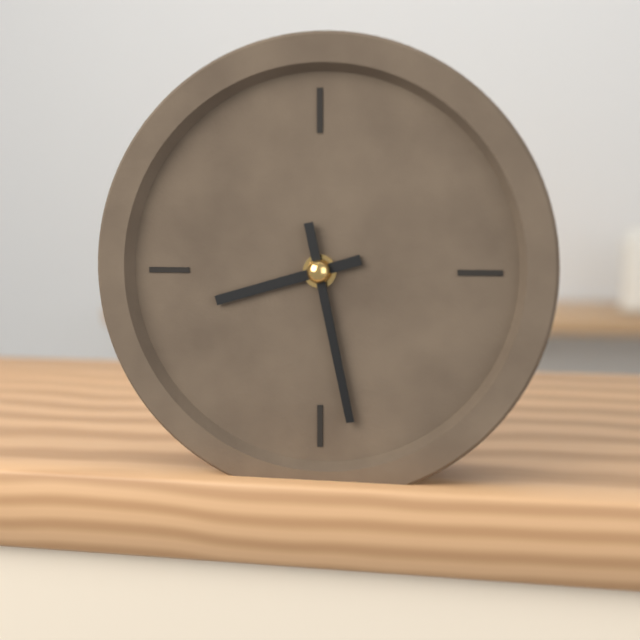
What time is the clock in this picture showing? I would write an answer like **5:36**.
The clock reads **8:28**
